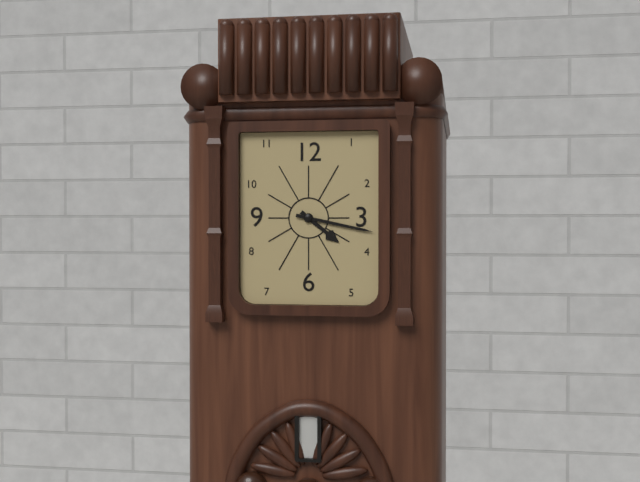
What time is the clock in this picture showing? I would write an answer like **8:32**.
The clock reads **4:17**
